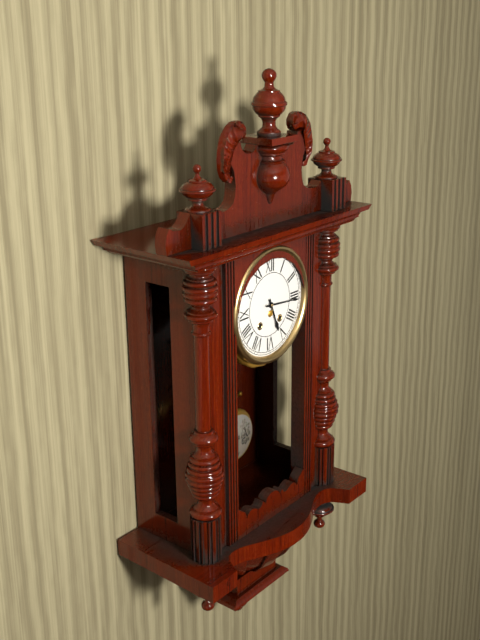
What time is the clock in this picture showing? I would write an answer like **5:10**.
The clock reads **5:16**
